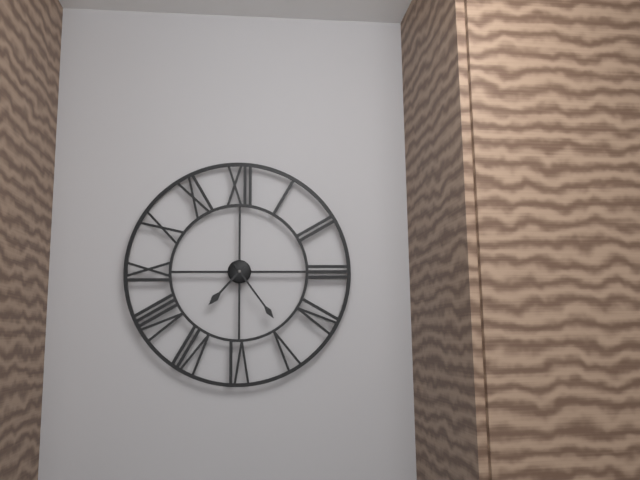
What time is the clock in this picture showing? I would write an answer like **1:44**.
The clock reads **7:24**
